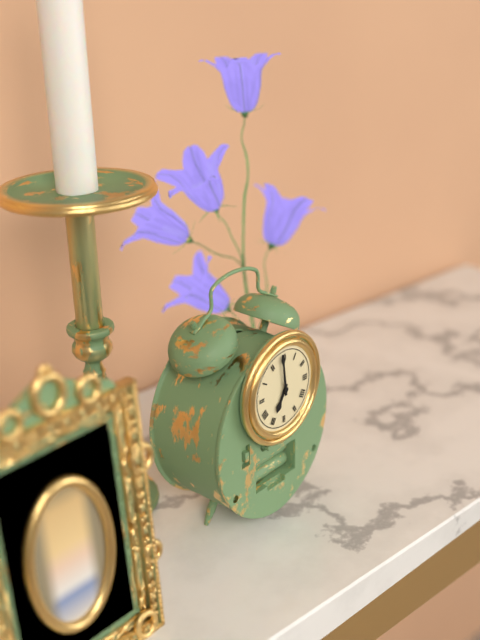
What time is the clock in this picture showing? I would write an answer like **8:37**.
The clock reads **6:59**
